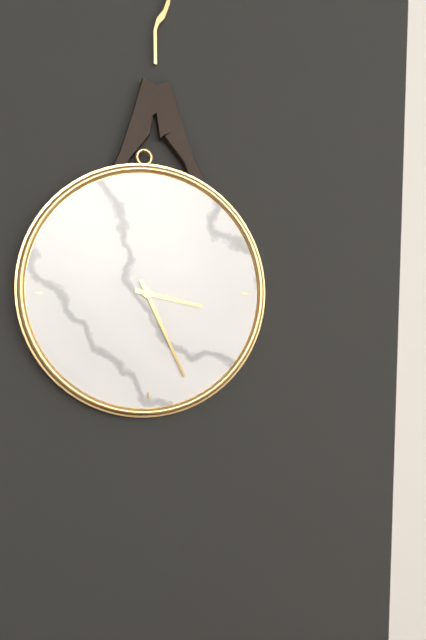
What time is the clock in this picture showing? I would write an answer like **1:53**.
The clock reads **3:26**
